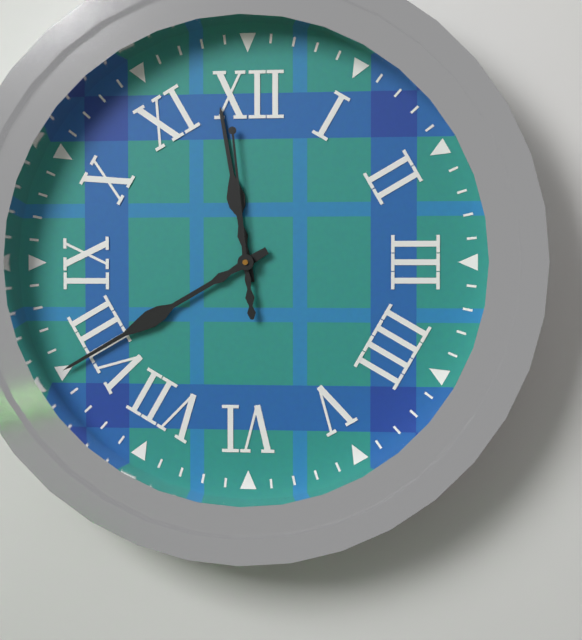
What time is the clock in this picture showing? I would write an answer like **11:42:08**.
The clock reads **11:40:59**
